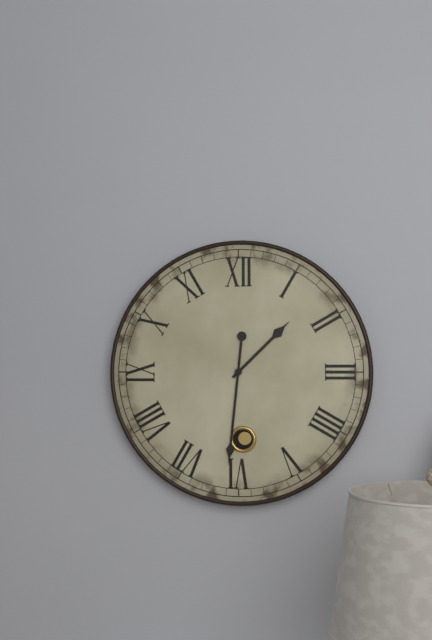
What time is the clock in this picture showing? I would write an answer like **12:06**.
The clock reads **1:31**
